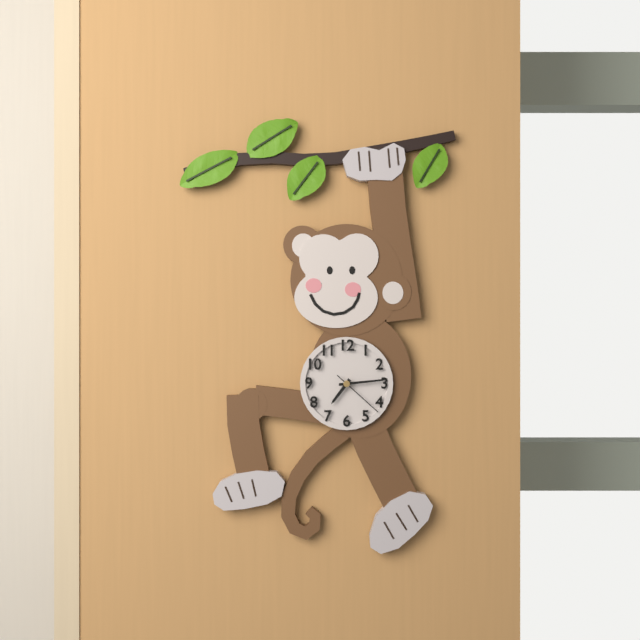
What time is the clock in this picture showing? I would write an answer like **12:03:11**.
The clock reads **7:14:22**
